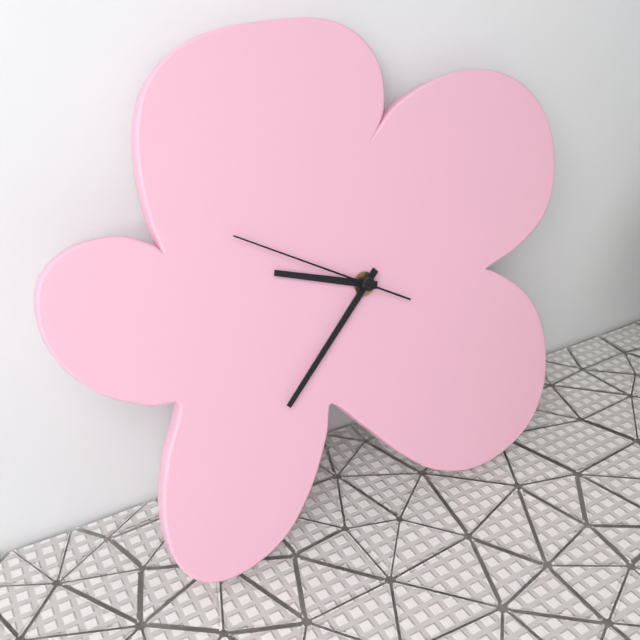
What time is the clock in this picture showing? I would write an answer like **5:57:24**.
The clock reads **9:38:50**
